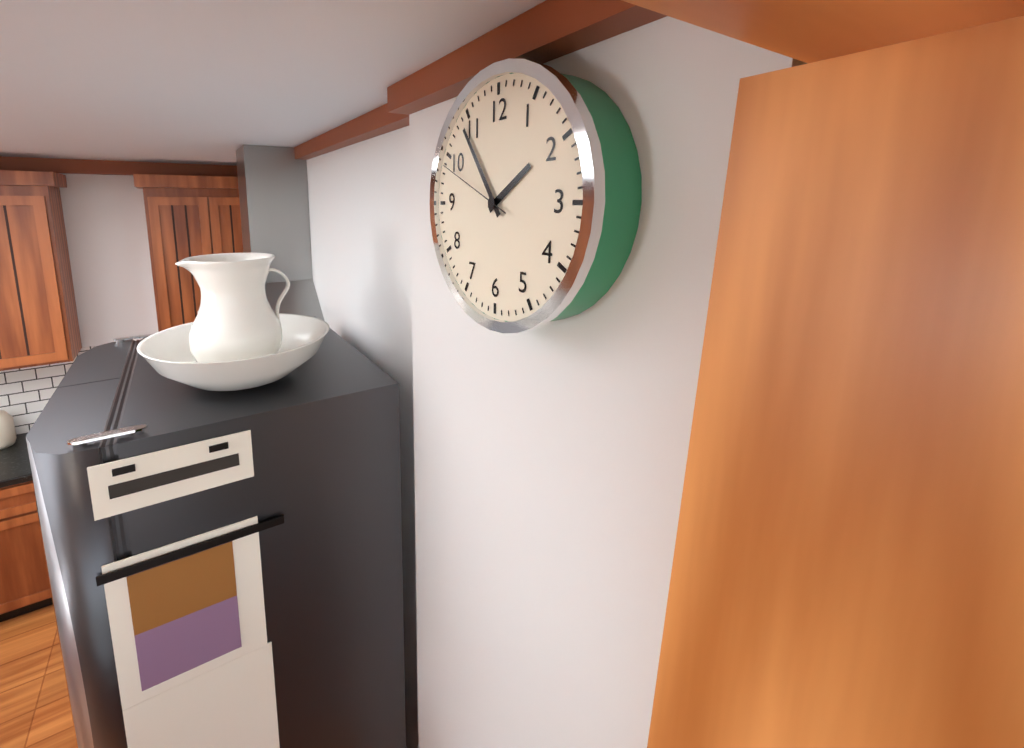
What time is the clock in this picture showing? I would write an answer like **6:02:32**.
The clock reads **1:54:49**
